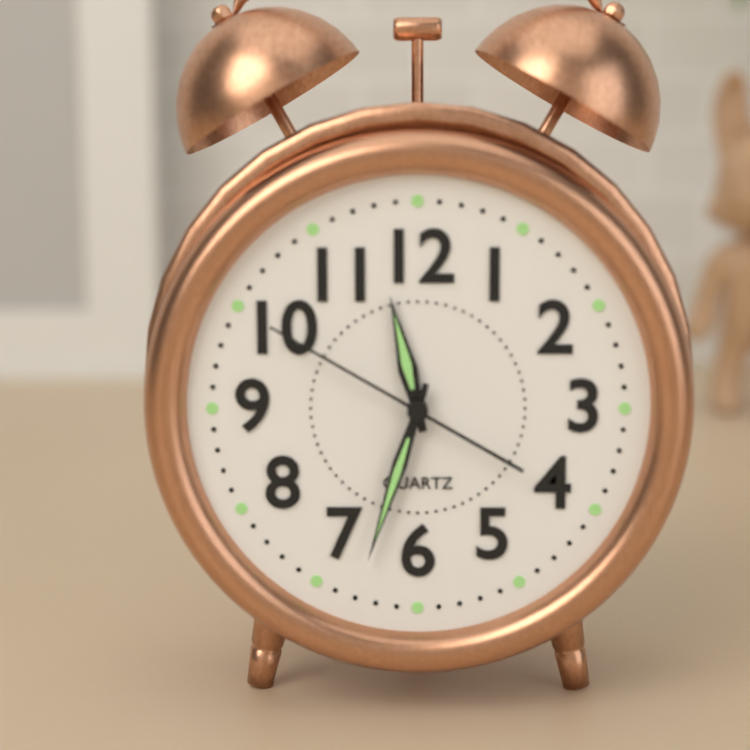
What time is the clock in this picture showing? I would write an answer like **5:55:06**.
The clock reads **11:33:50**
